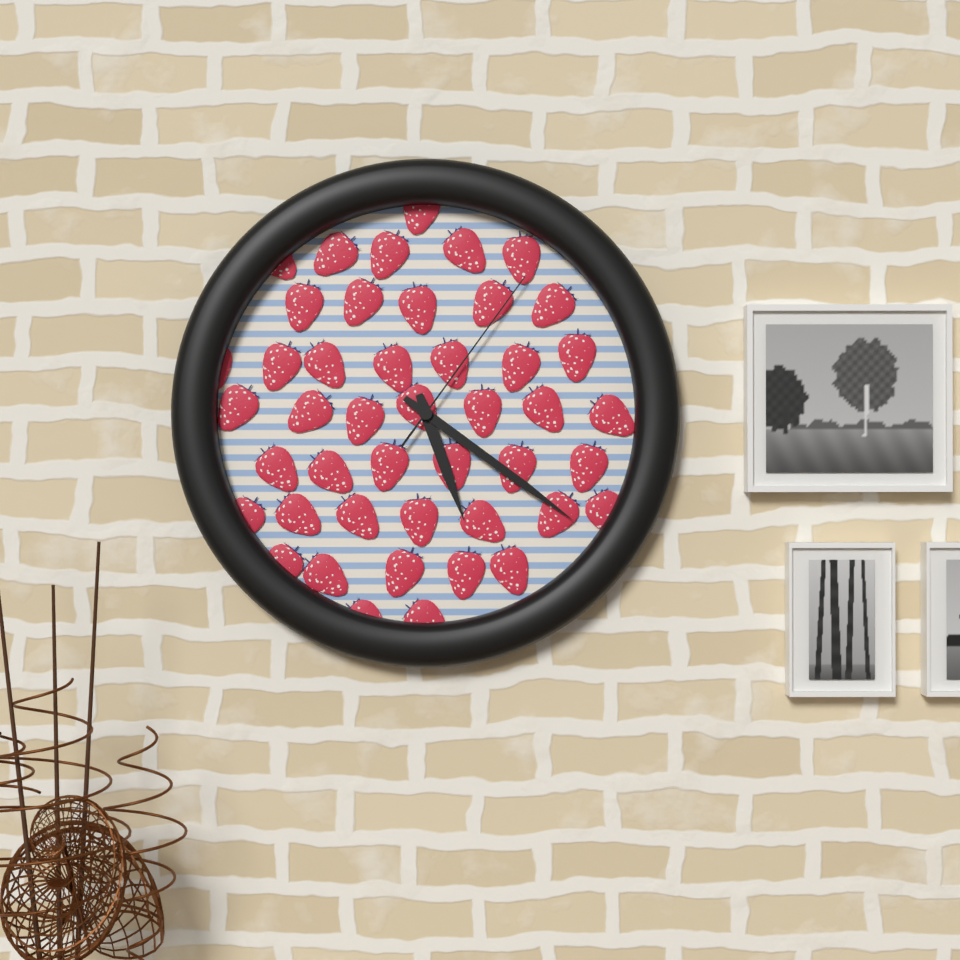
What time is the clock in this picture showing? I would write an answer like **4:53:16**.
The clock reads **5:21:06**
